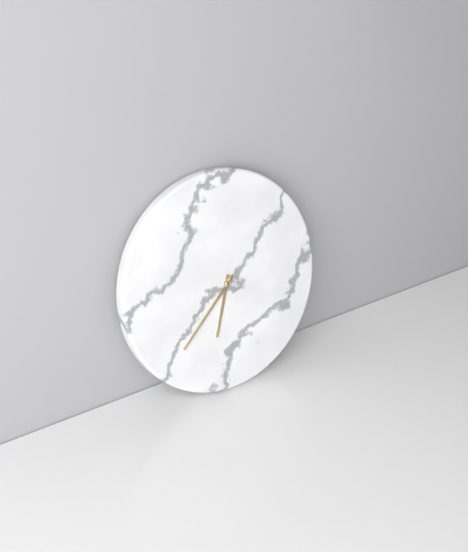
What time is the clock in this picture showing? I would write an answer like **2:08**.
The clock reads **6:38**
